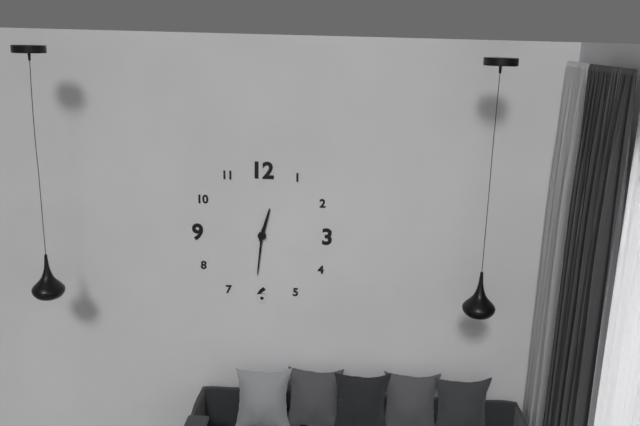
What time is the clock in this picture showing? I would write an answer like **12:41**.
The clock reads **12:31**
